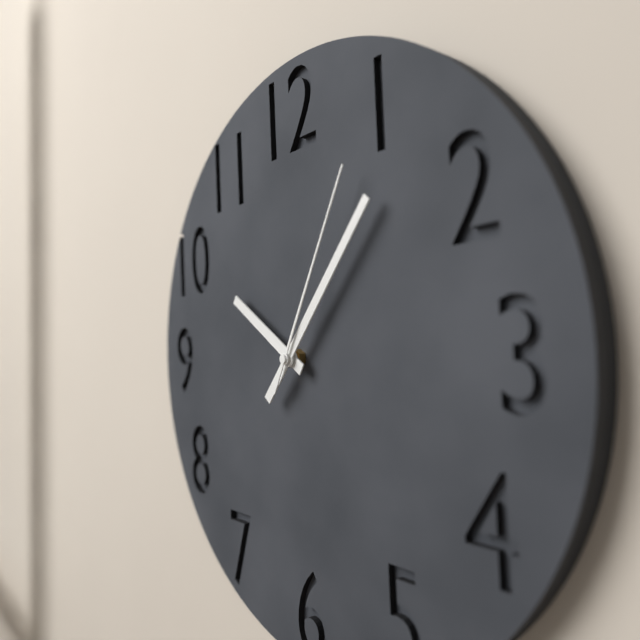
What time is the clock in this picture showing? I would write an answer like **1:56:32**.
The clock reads **10:07:05**
